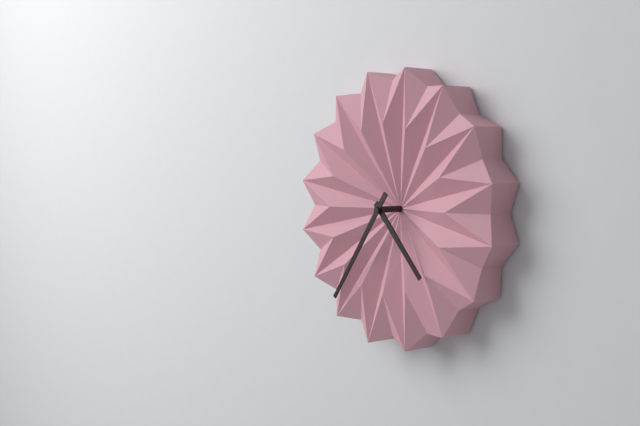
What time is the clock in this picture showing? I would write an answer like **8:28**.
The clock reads **4:36**
